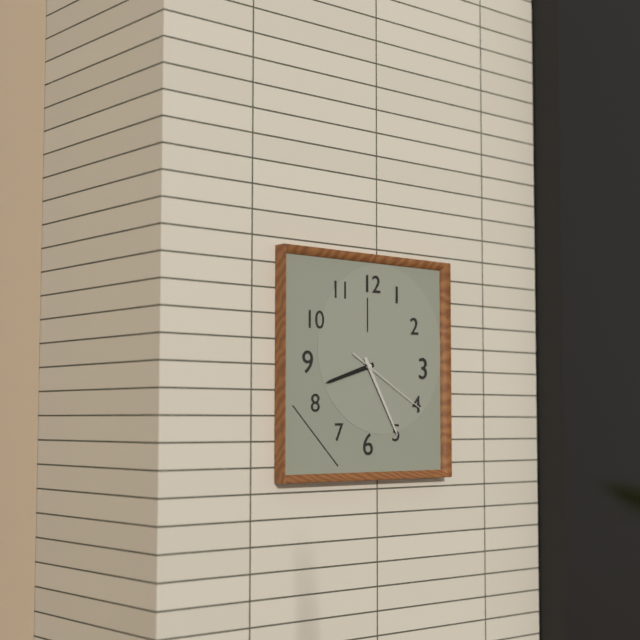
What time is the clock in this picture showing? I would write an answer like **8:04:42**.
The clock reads **8:25:20**
